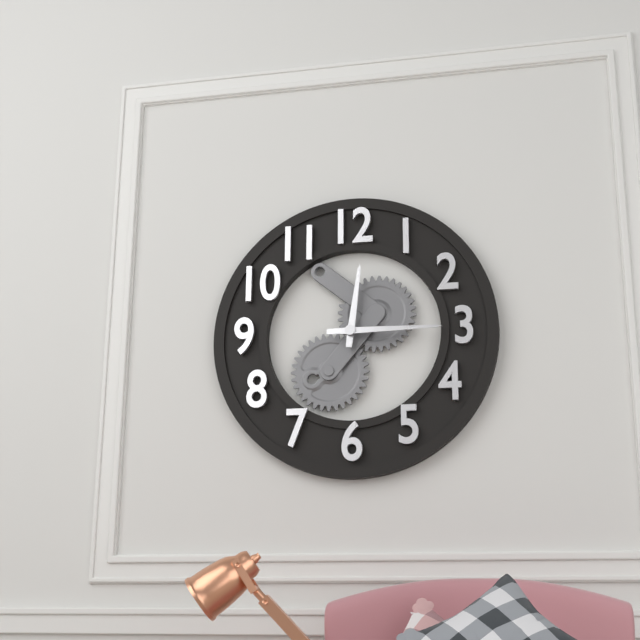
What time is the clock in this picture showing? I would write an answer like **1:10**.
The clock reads **12:15**
